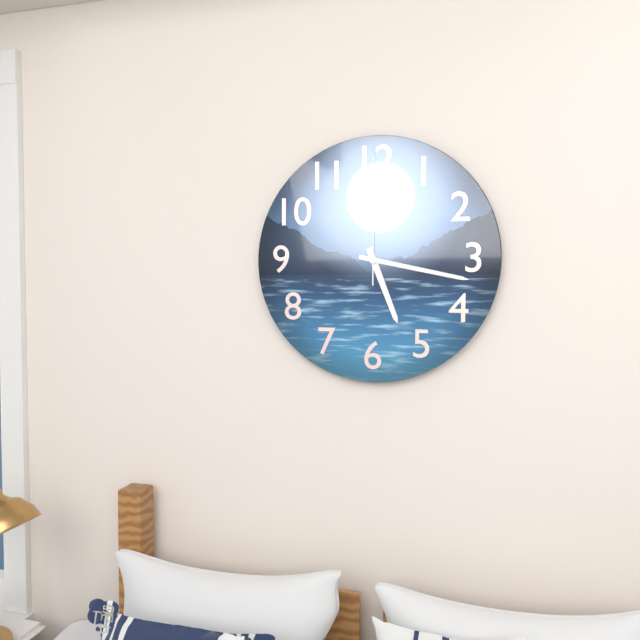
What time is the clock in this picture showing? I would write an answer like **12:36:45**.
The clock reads **5:17:00**
